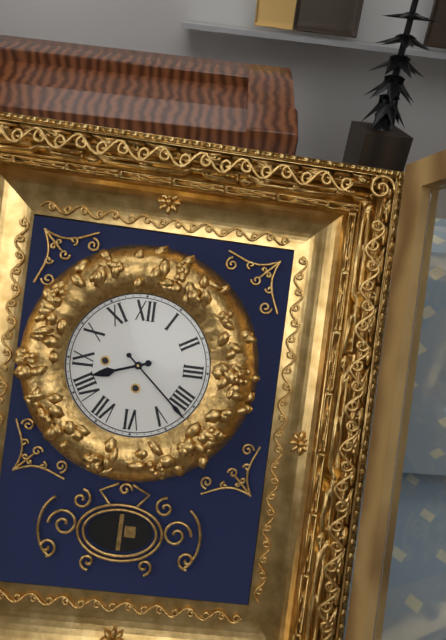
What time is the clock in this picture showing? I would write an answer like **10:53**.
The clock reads **8:22**
